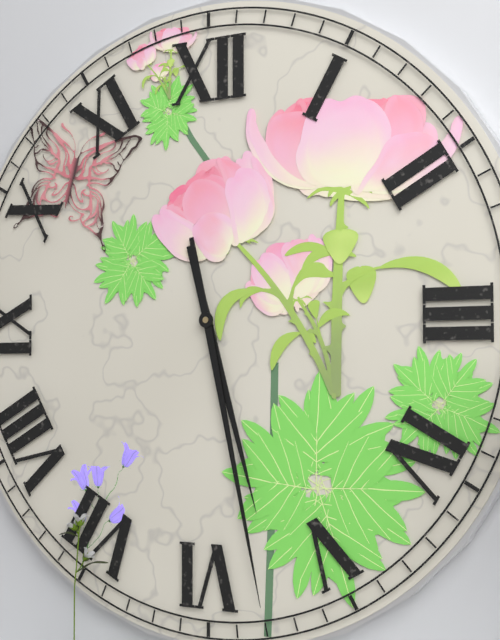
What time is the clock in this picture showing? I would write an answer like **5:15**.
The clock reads **5:28**
